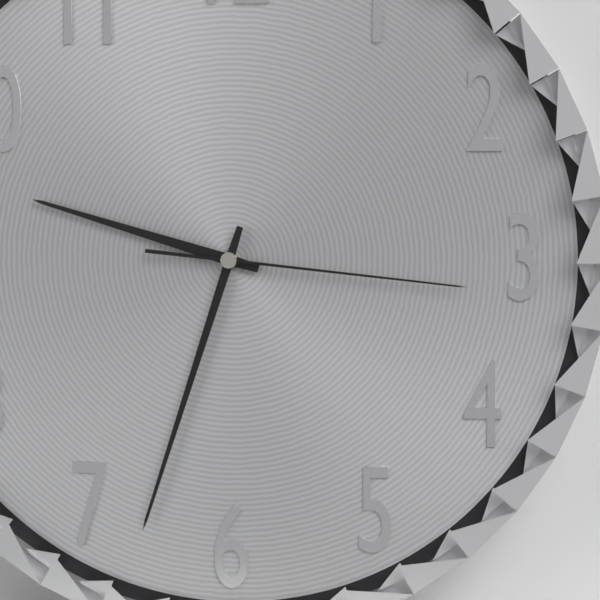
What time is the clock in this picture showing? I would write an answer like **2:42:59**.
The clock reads **9:33:16**
